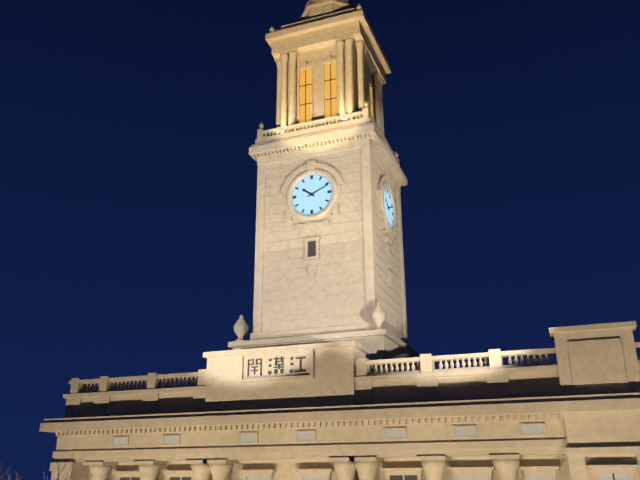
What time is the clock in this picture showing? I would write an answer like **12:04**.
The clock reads **10:11**
